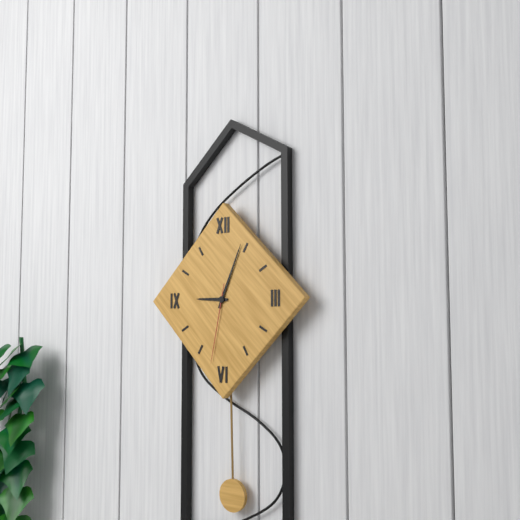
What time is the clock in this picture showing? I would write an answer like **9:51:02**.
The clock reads **9:04:32**
